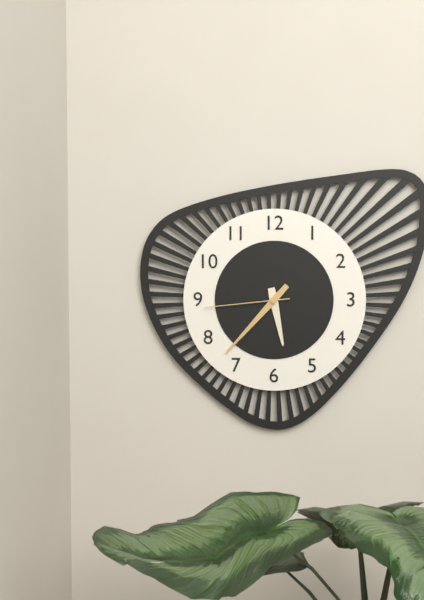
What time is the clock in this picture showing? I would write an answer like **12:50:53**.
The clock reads **5:37:44**
